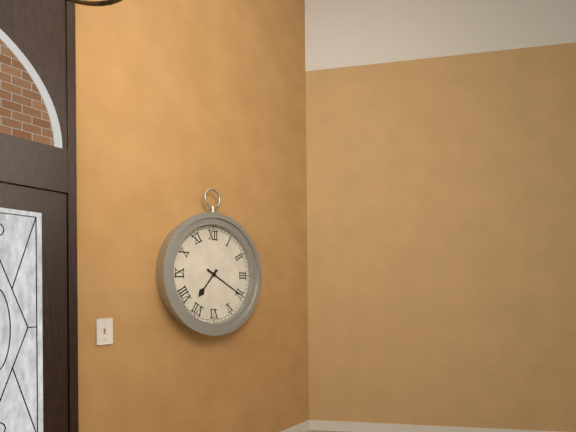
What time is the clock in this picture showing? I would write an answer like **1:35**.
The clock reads **7:20**
